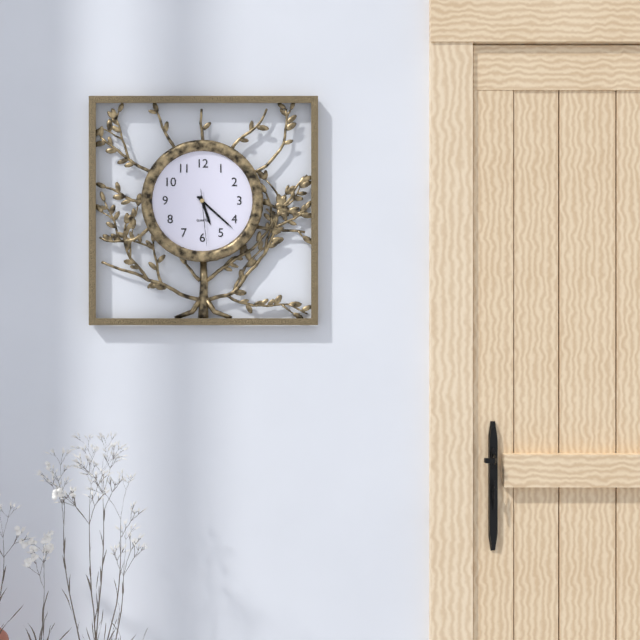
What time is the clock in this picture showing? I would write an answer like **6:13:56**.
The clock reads **5:22:29**
